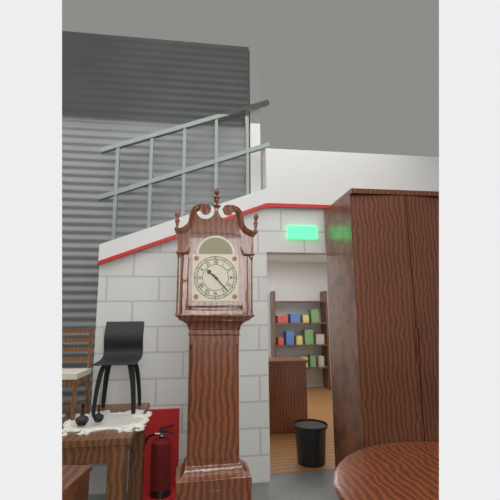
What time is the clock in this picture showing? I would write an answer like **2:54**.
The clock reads **10:23**
